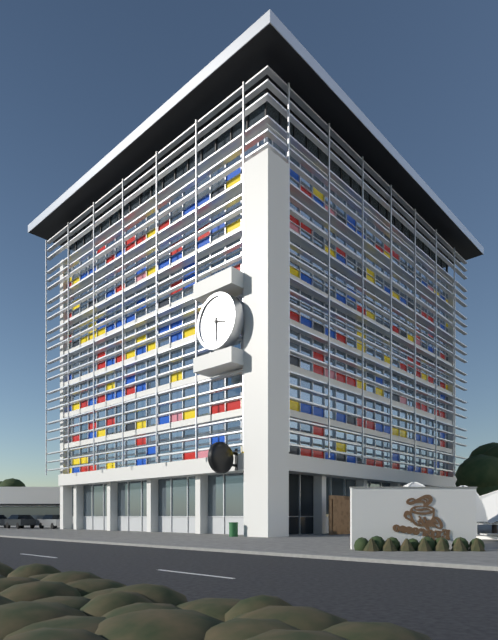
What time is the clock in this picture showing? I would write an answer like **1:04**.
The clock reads **3:30**
